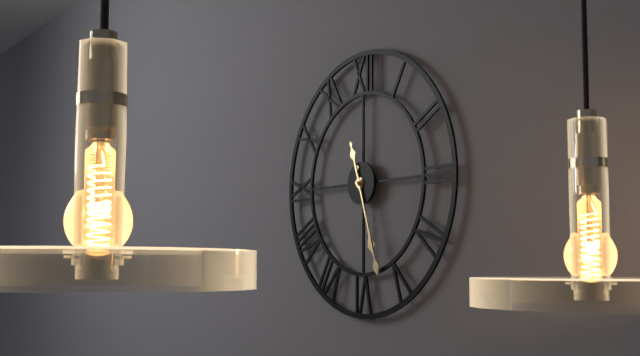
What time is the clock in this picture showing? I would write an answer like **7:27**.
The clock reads **5:27**
